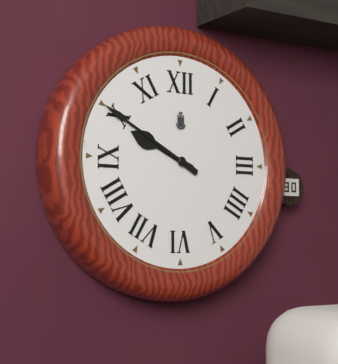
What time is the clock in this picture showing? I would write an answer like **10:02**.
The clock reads **9:50**
